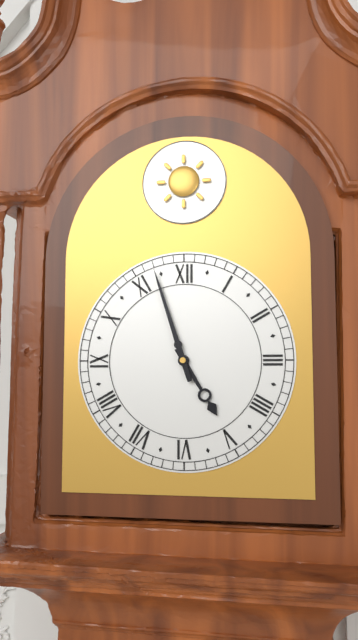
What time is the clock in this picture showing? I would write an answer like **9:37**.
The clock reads **4:57**
